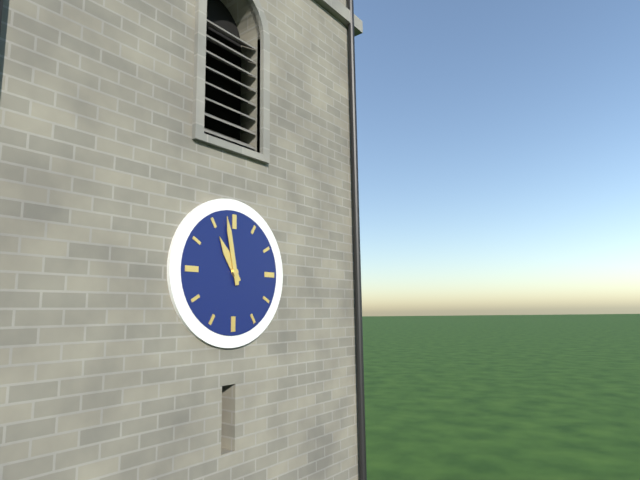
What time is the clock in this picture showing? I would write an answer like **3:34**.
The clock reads **10:58**
